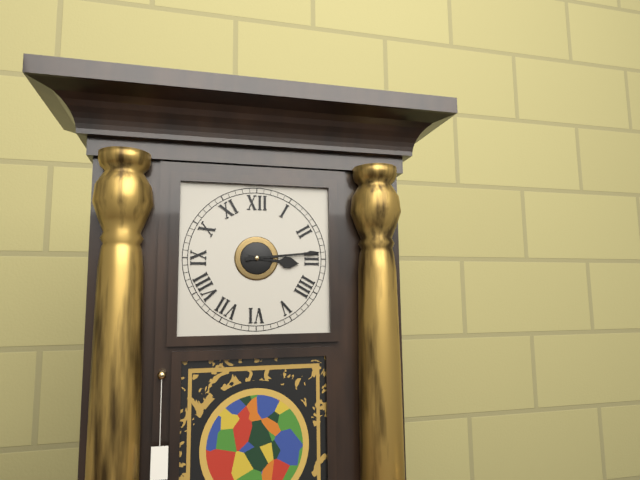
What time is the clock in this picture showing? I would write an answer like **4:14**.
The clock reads **3:14**
